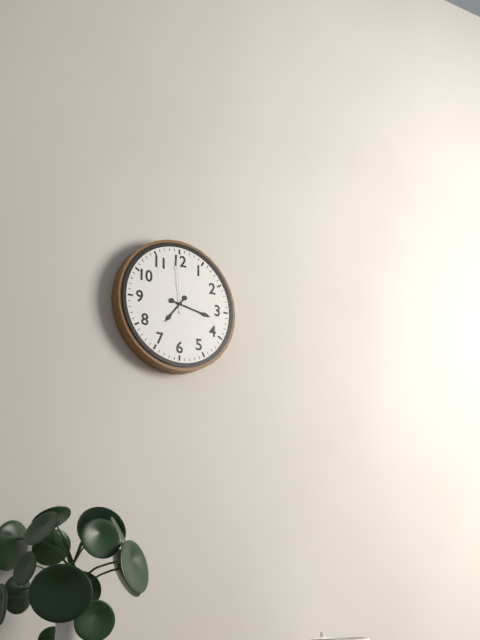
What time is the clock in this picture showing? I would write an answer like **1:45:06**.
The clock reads **7:17:59**
